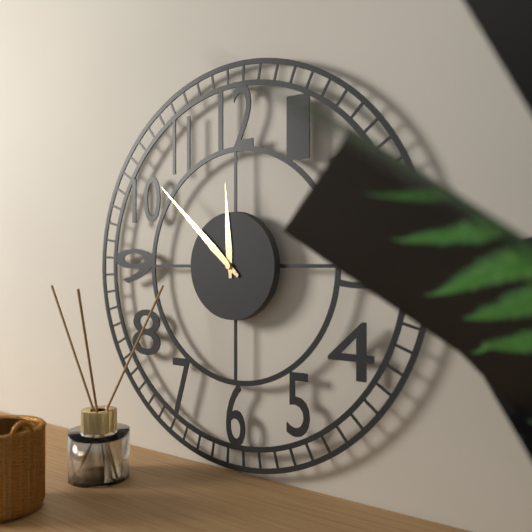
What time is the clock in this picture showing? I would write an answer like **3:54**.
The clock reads **11:52**
